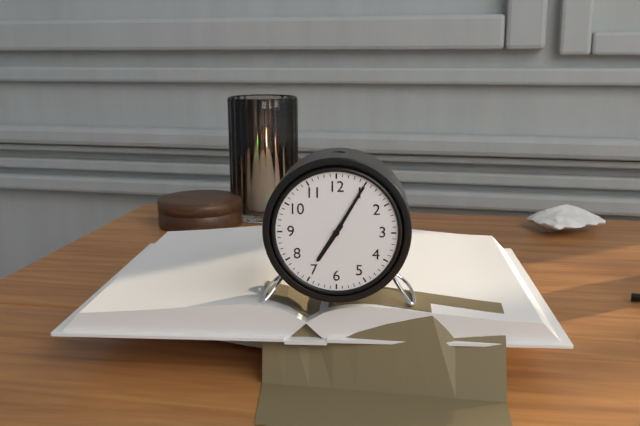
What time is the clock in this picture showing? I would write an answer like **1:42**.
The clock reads **7:05**
